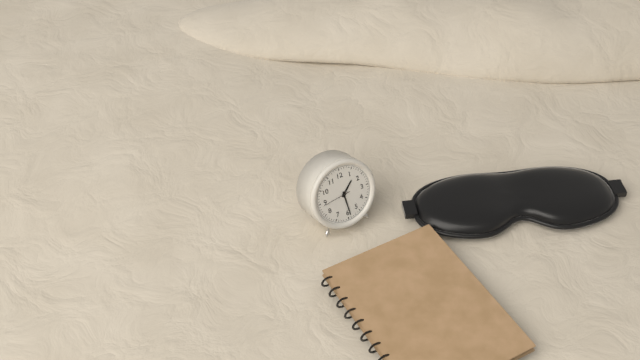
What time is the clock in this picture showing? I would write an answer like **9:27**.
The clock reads **1:29**
